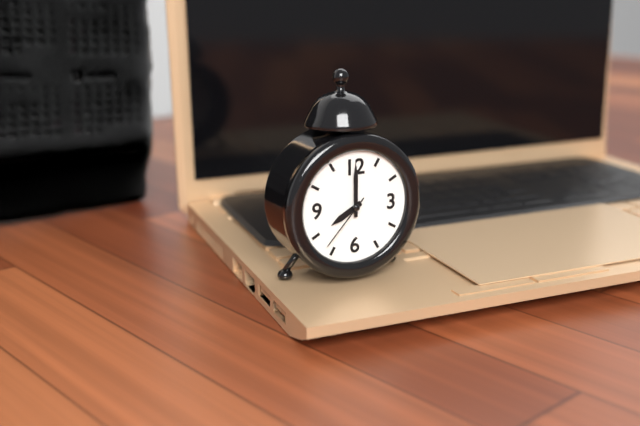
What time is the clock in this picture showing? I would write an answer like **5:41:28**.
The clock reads **8:00:37**
